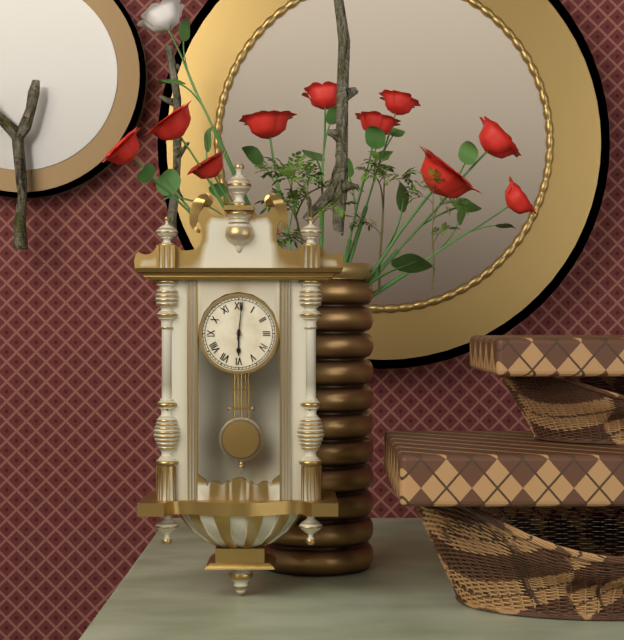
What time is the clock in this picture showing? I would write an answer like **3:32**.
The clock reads **6:01**
